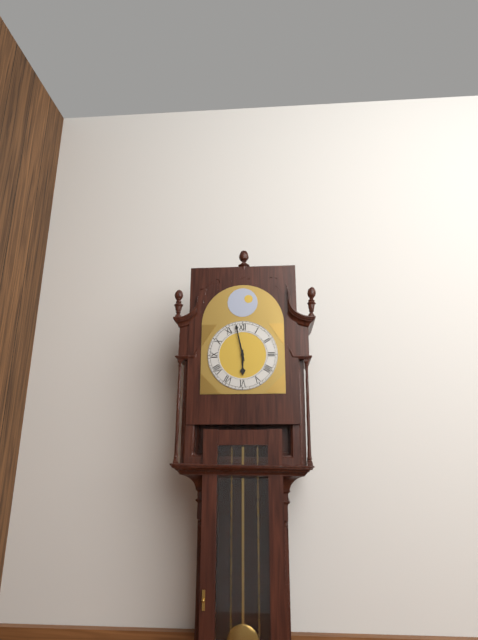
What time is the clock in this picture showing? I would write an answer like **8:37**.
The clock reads **5:58**
